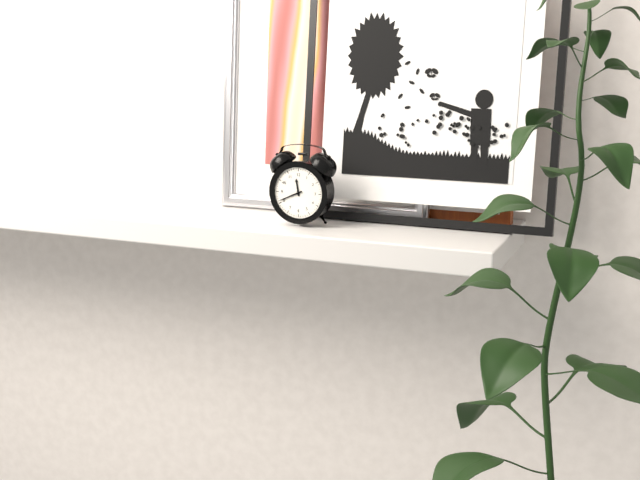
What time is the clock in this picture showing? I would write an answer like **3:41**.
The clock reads **11:41**
